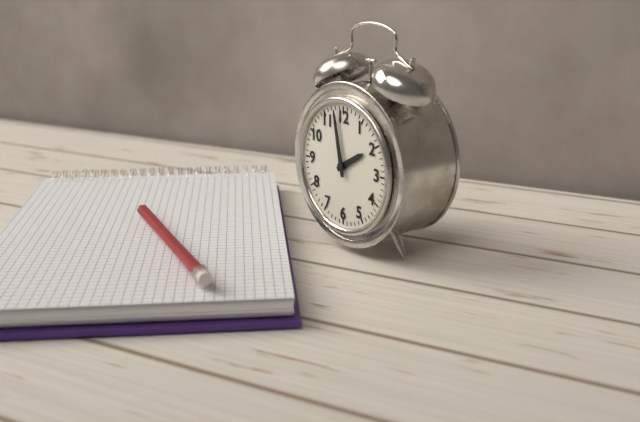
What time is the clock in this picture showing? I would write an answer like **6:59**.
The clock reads **1:58**
